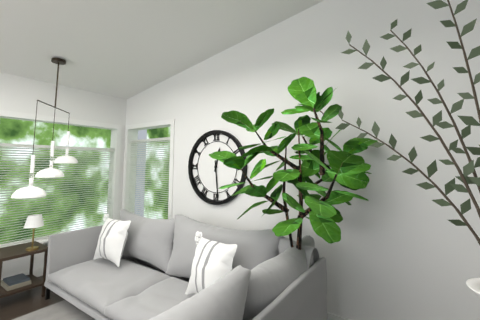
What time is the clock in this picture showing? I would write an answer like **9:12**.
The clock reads **12:29**
